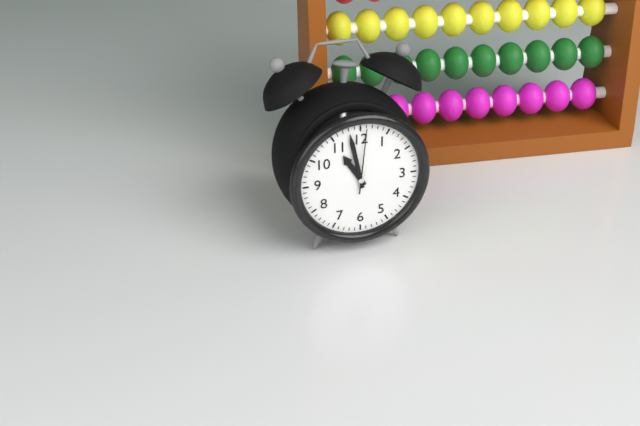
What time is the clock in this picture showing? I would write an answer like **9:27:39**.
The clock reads **10:58:01**
